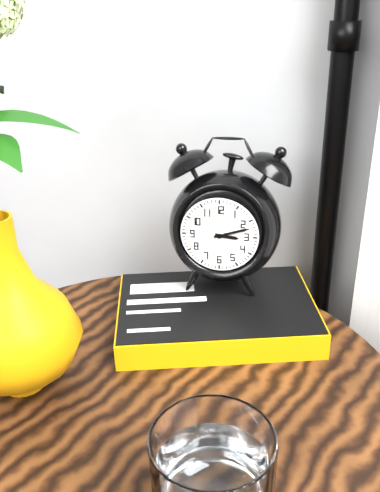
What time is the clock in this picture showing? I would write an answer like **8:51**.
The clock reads **3:12**
